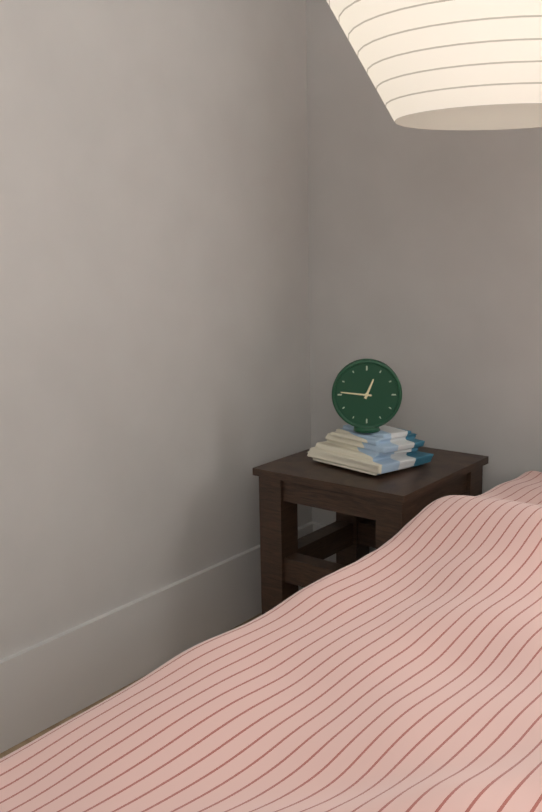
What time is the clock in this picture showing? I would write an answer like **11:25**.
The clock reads **12:46**
